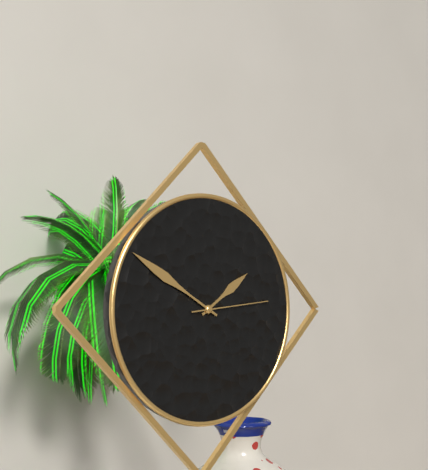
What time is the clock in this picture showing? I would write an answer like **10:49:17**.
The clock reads **1:50:14**
